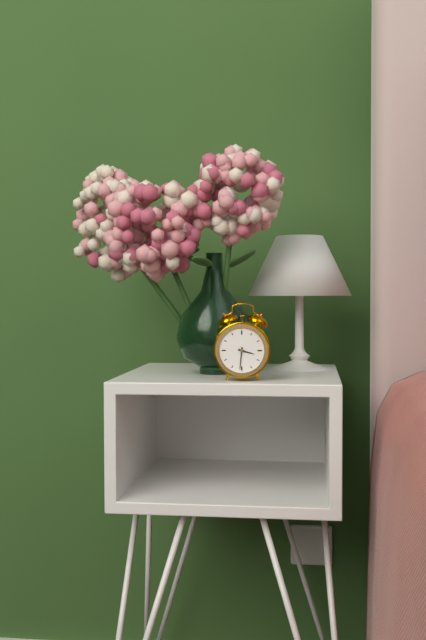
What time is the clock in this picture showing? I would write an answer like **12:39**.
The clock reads **3:31**
